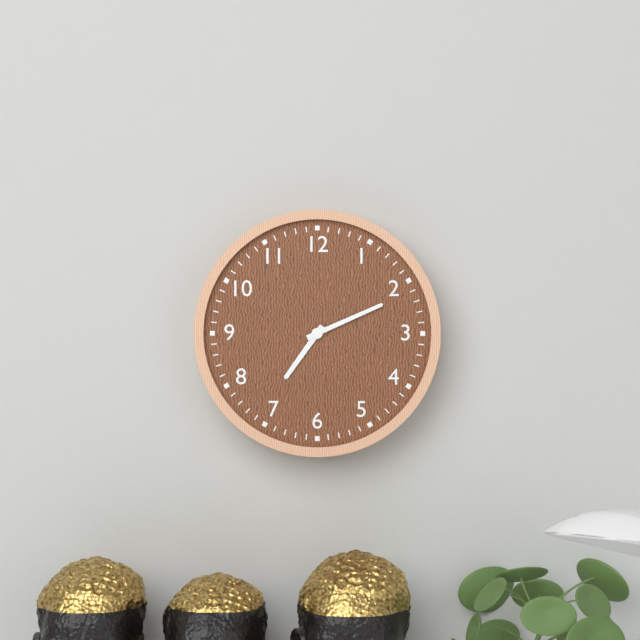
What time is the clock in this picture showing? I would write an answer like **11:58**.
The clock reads **7:11**
